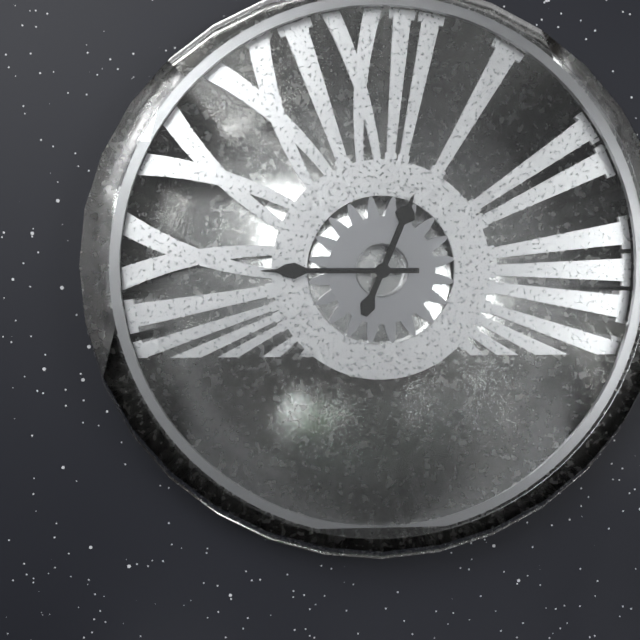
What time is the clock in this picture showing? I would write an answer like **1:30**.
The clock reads **12:45**
